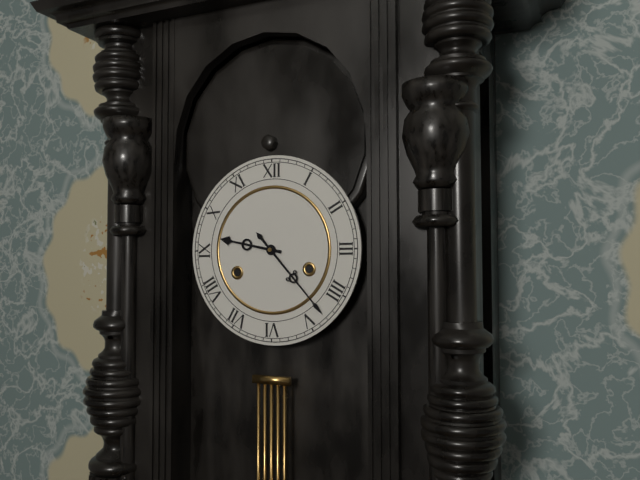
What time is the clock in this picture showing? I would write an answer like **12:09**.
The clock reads **9:23**
